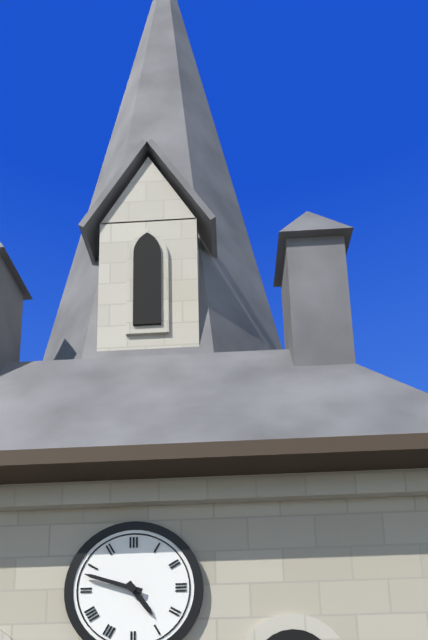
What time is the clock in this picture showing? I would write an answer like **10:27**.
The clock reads **4:48**
